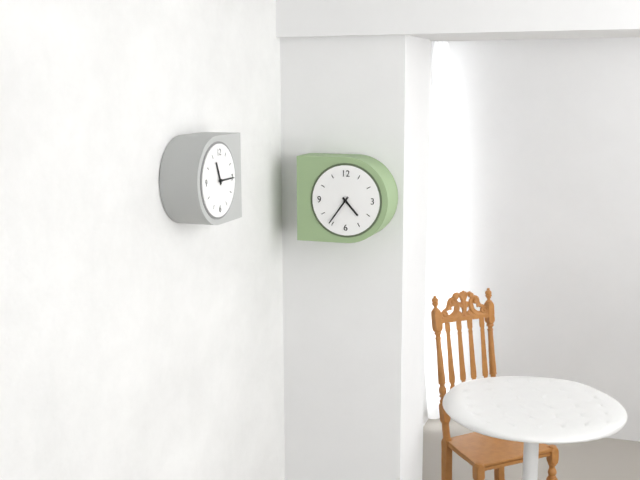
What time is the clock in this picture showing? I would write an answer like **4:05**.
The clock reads **4:36**
